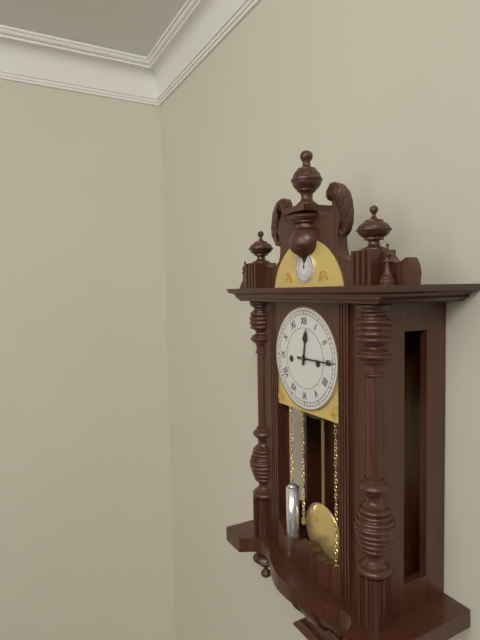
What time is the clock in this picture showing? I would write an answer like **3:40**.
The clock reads **12:15**
